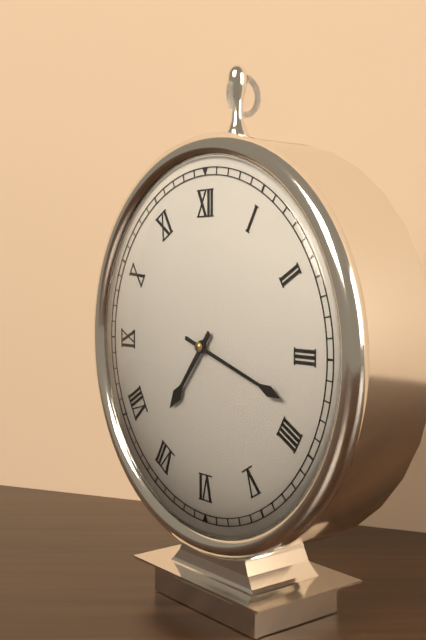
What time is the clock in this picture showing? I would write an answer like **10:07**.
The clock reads **7:18**
